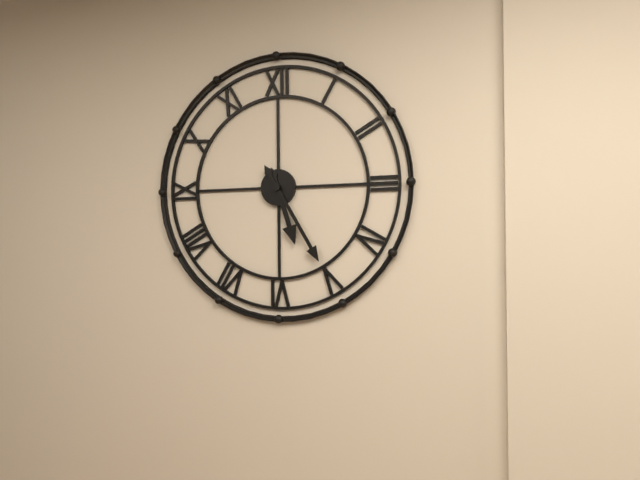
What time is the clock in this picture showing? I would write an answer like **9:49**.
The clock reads **5:25**
